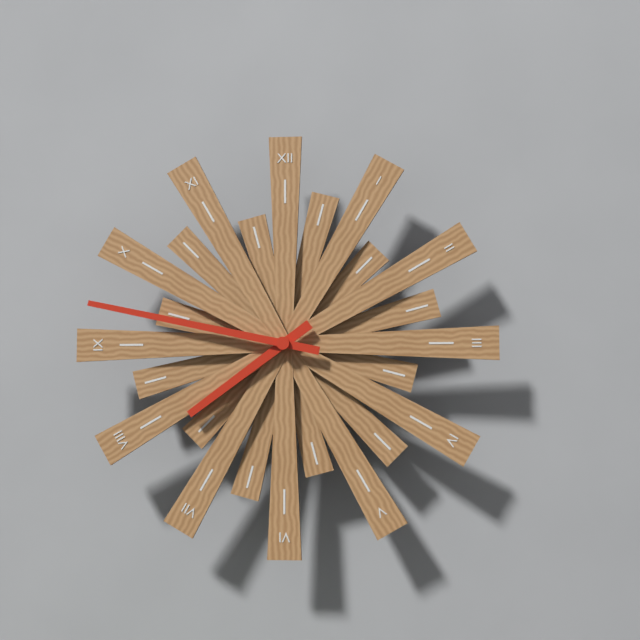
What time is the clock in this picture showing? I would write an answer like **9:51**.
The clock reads **7:47**
